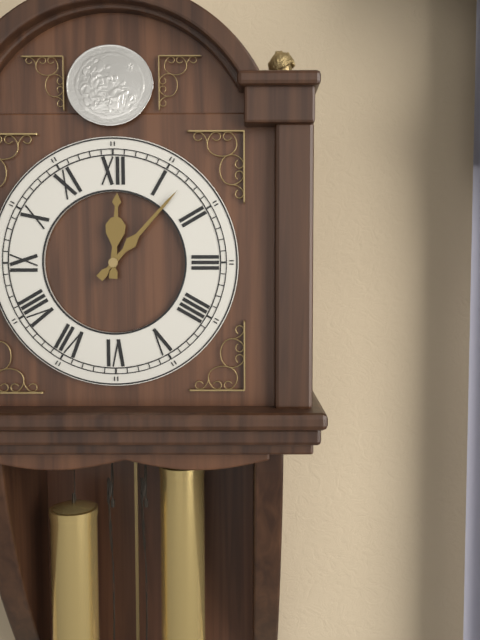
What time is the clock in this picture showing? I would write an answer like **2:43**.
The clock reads **12:07**
